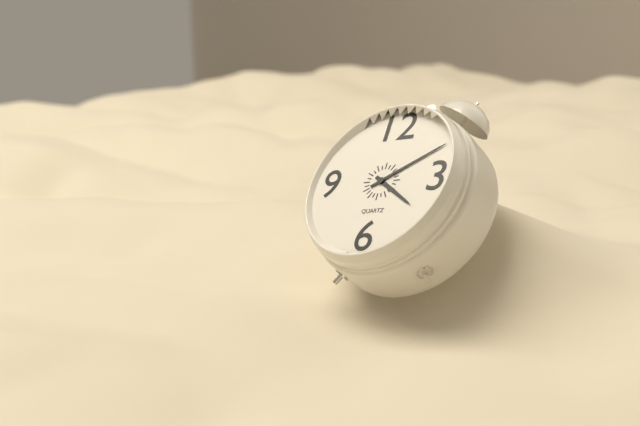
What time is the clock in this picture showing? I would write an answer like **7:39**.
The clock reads **4:10**
